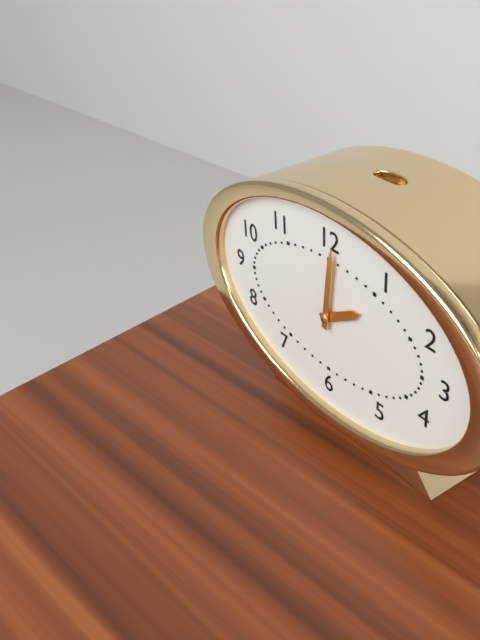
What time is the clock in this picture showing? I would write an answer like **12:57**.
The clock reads **2:01**
